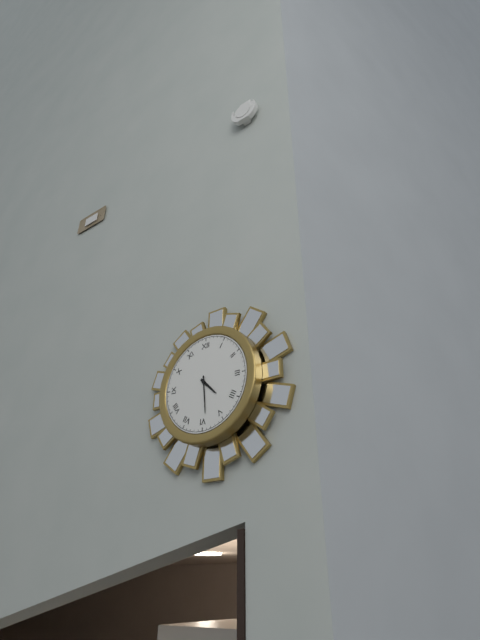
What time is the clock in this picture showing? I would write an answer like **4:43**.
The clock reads **4:29**
